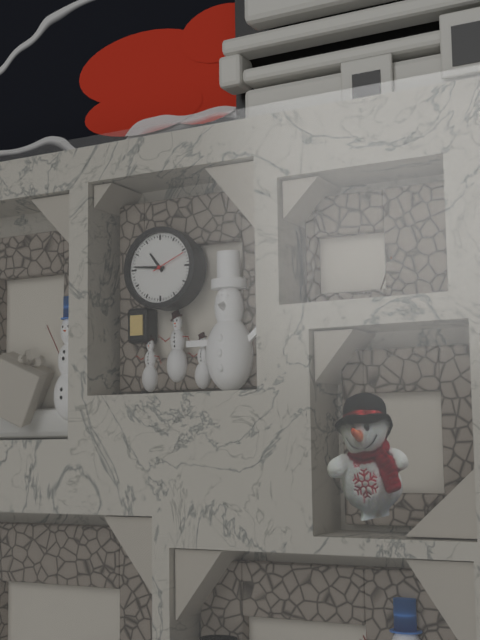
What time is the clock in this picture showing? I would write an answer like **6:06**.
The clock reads **10:46**
